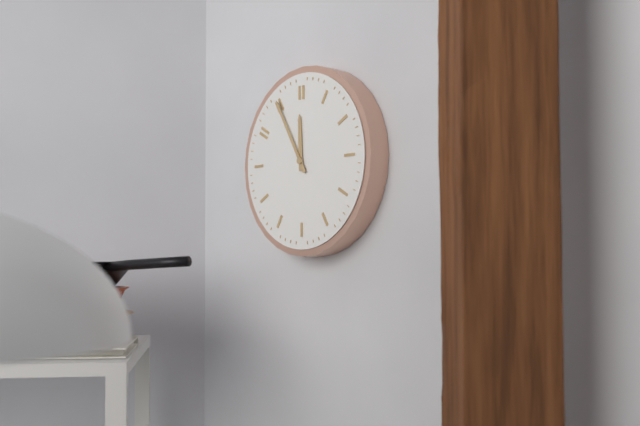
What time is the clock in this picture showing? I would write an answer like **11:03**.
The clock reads **11:55**
